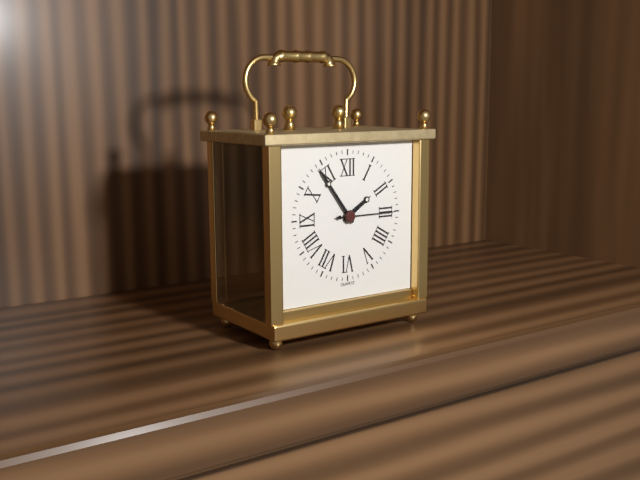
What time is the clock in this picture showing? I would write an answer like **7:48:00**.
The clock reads **1:54:15**
